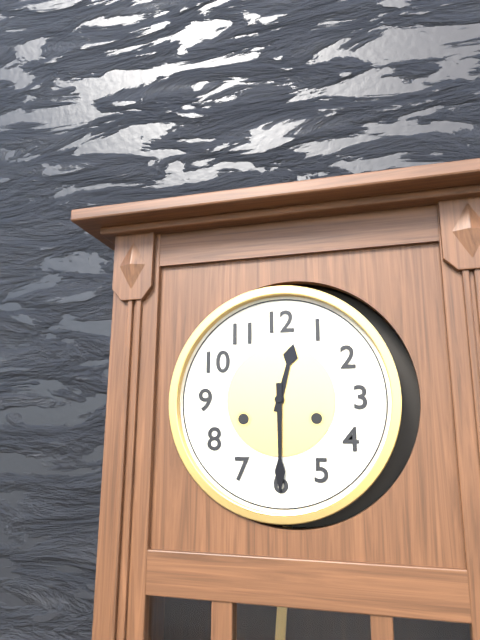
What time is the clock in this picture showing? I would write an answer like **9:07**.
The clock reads **12:30**
